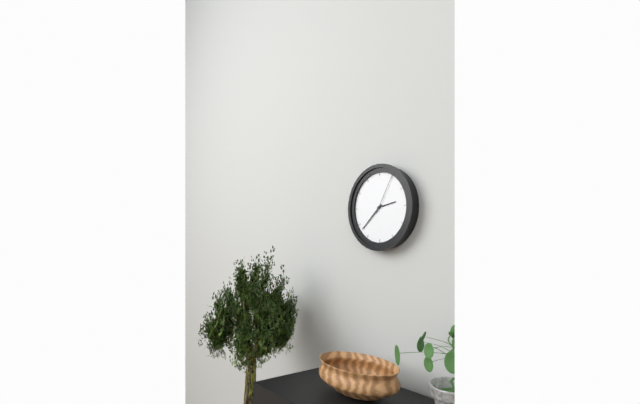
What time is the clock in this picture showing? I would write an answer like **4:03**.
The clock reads **2:38**
